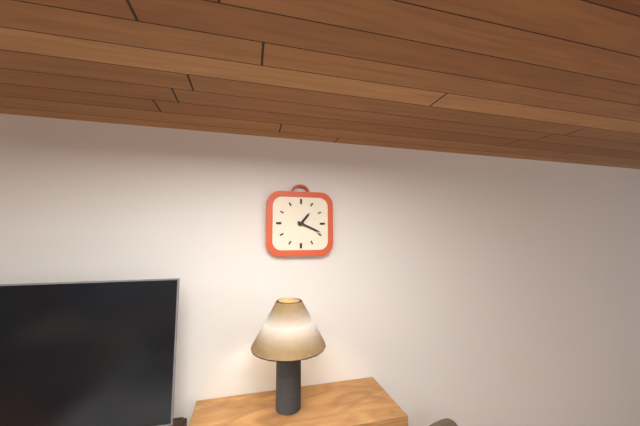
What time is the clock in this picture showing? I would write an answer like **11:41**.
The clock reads **1:19**
